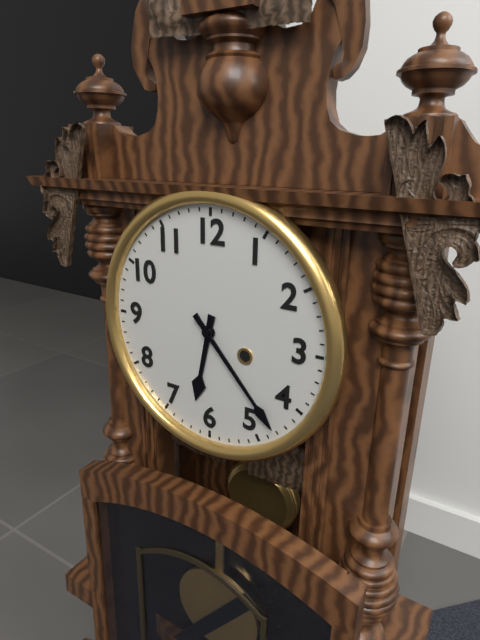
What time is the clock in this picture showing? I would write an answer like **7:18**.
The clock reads **6:23**
